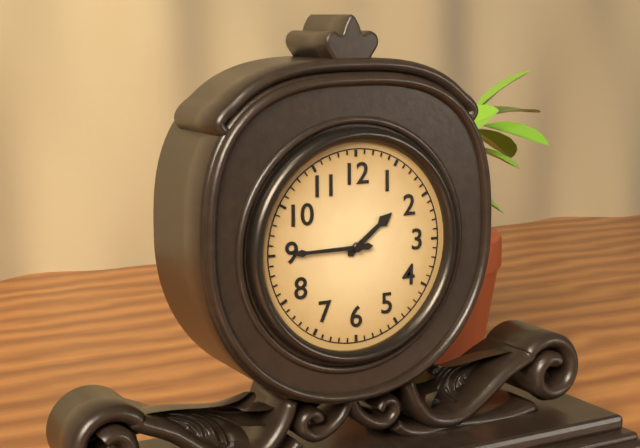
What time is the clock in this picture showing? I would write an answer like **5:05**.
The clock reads **1:45**
